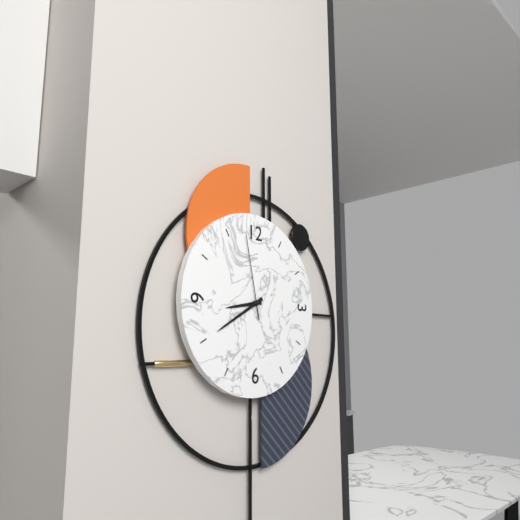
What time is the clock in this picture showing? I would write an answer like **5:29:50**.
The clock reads **8:40:58**
